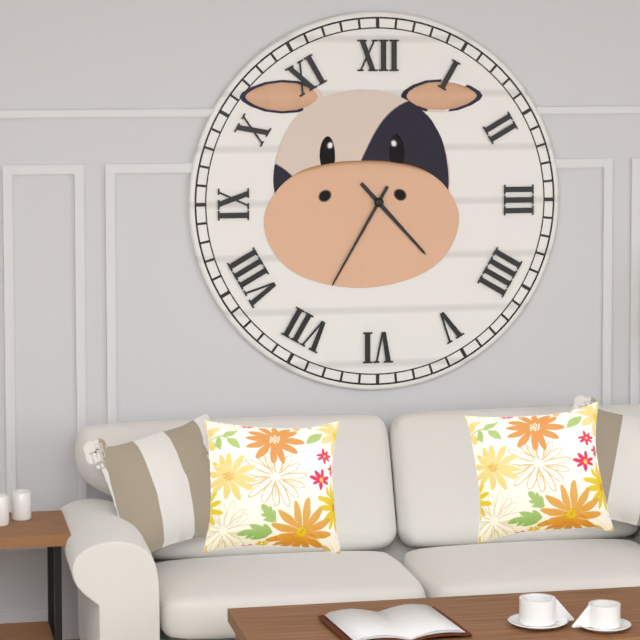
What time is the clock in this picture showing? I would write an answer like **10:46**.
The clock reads **4:35**
